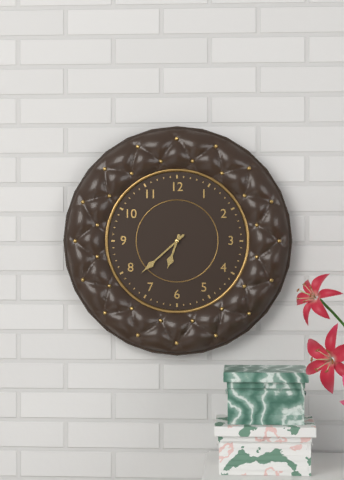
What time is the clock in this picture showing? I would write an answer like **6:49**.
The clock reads **6:38**
